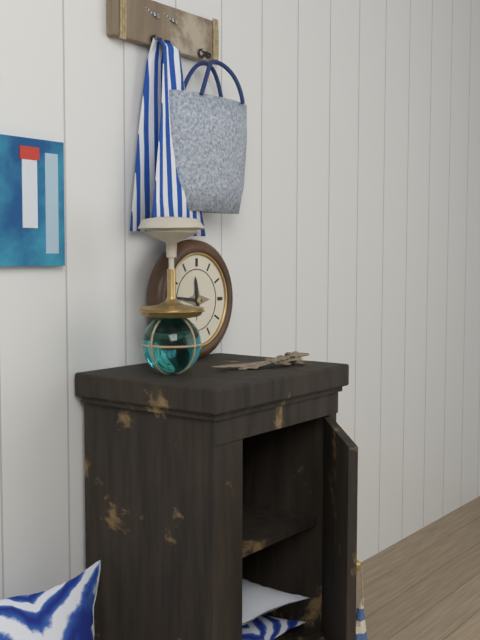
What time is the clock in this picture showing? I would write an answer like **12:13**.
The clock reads **11:46**
